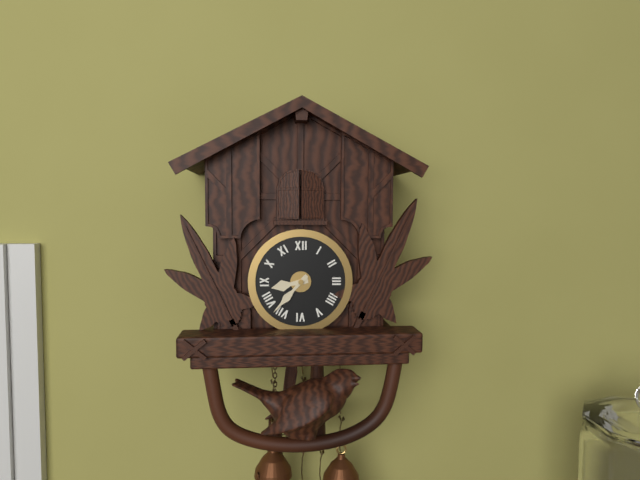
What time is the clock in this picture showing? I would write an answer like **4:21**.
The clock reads **8:37**
